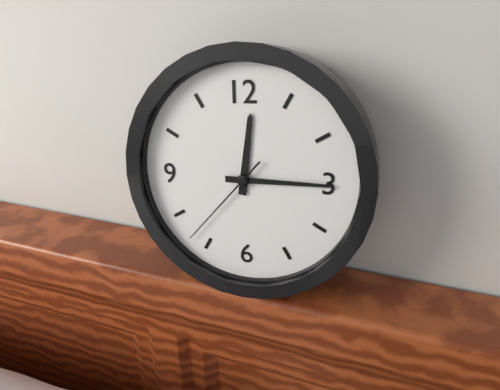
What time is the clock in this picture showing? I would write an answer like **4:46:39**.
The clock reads **12:15:37**
